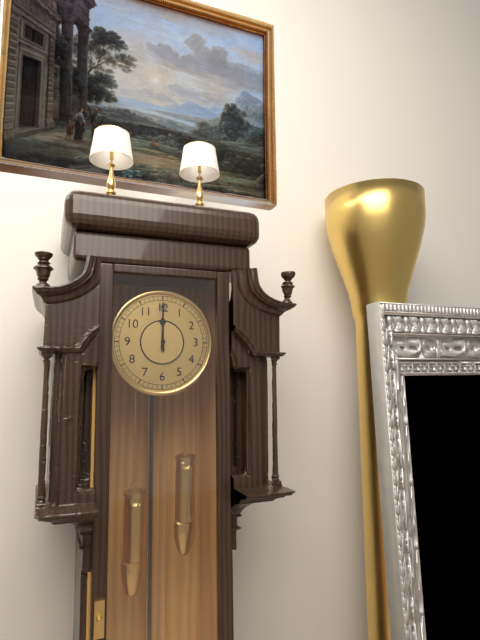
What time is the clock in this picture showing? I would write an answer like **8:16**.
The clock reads **12:00**
